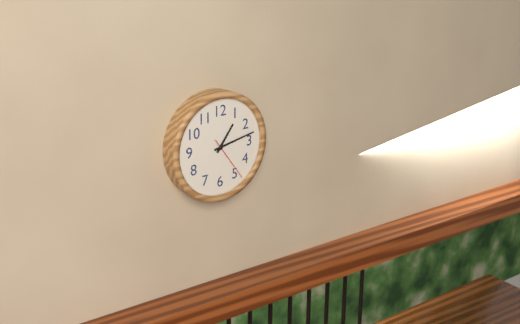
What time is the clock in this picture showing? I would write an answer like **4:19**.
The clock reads **1:13**
